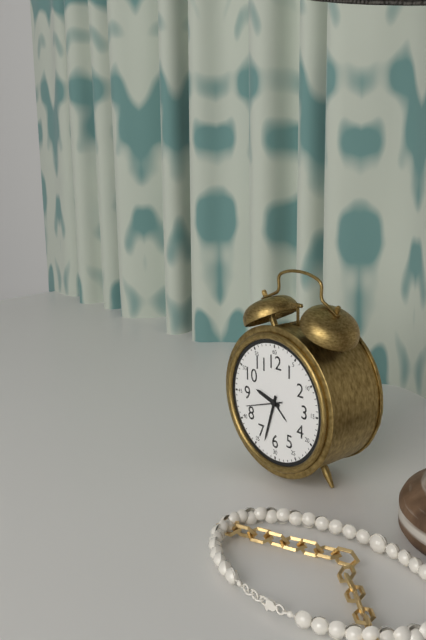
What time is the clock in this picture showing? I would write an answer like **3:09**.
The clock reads **9:33**
